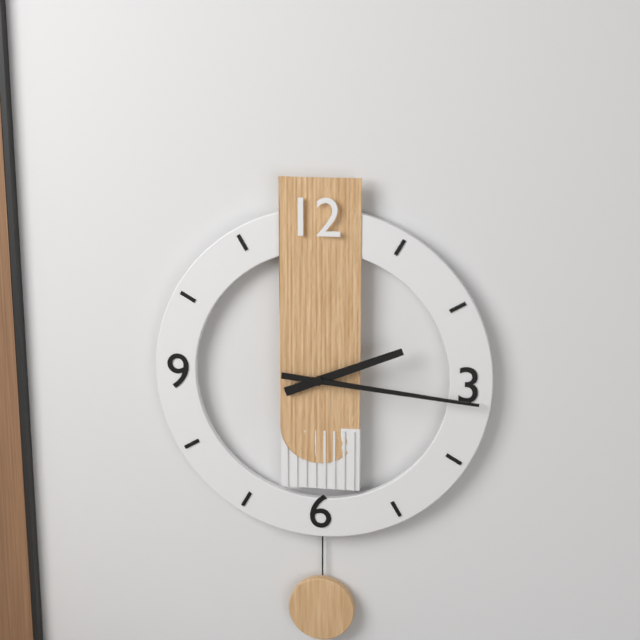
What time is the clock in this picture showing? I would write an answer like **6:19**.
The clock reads **2:16**
